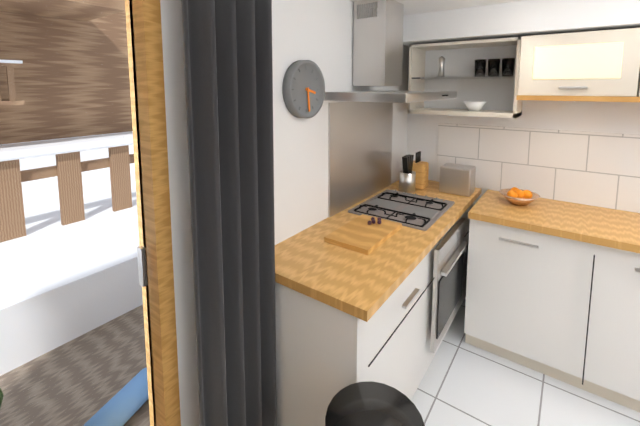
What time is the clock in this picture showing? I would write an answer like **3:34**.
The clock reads **3:29**
